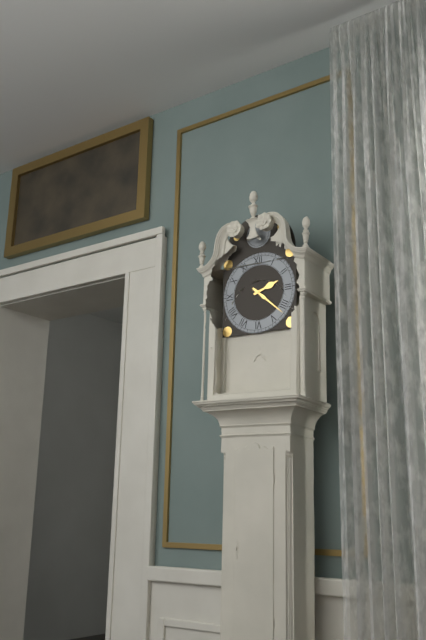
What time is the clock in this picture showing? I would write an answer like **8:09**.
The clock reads **2:22**
